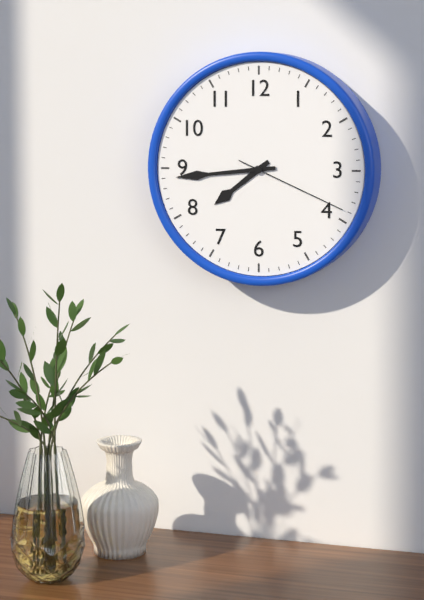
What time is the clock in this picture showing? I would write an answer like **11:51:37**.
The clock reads **7:44:19**
